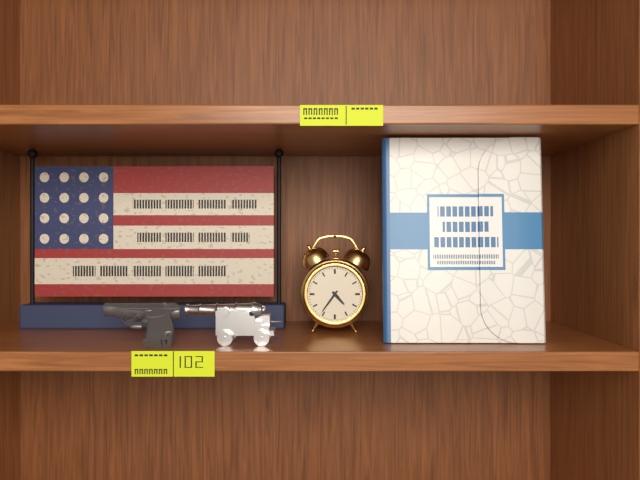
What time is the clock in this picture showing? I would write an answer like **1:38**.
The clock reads **4:36**
